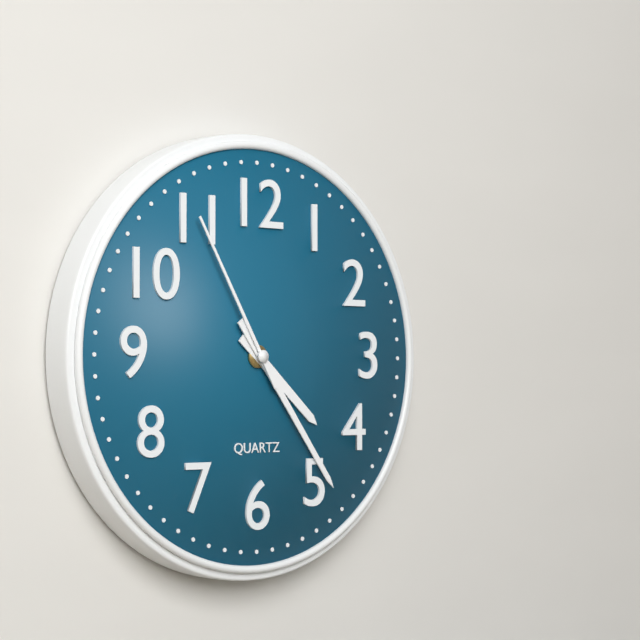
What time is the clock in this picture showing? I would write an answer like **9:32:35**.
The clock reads **4:24:55**
